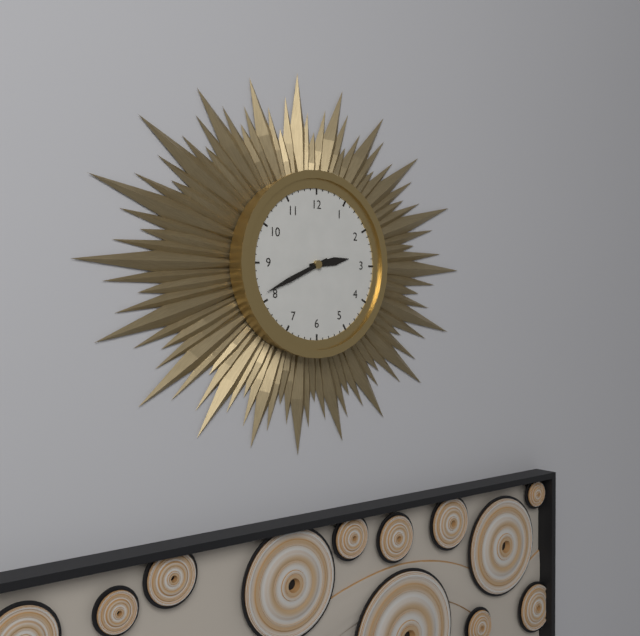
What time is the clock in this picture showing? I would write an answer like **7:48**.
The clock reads **2:41**
